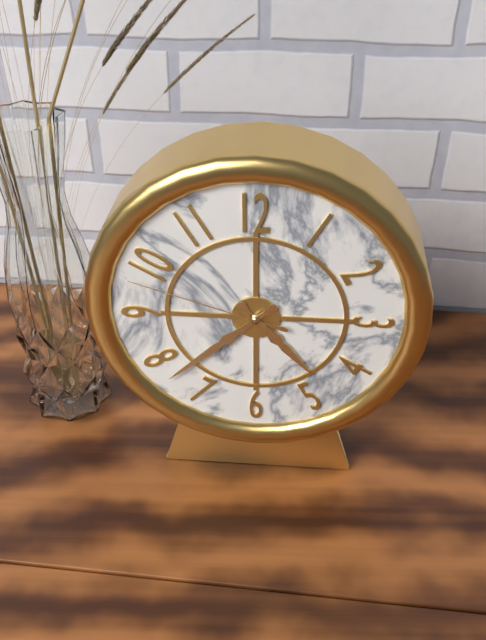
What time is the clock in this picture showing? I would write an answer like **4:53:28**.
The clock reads **4:38:48**
